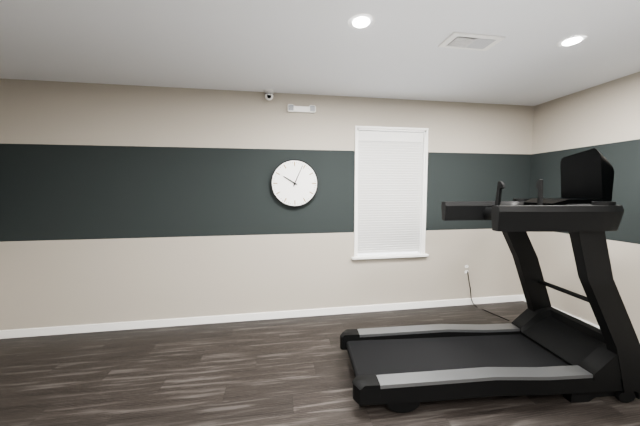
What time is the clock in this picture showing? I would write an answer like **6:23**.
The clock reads **10:04**
